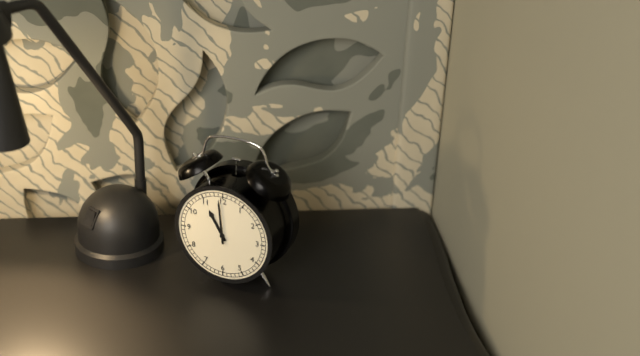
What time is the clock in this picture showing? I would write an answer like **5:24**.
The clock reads **10:59**
